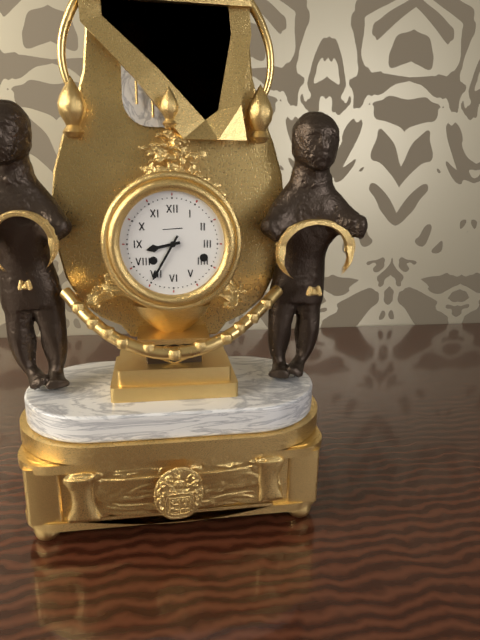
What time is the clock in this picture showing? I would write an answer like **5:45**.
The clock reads **8:35**
